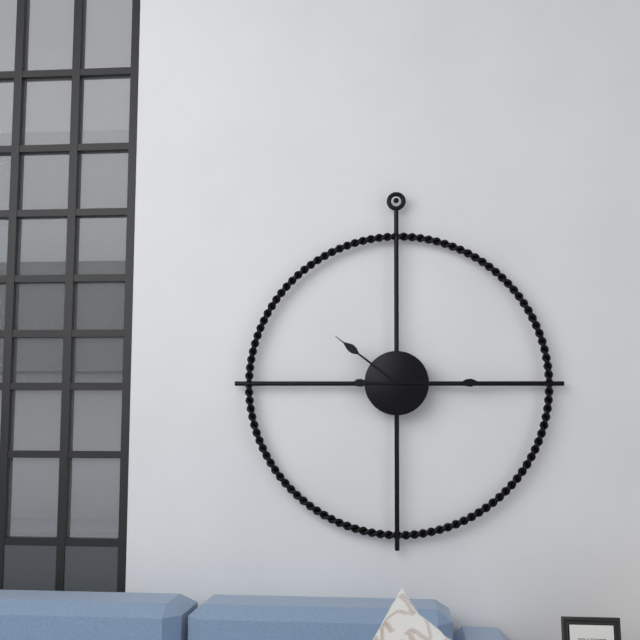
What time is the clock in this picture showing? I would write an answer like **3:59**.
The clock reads **10:15**
